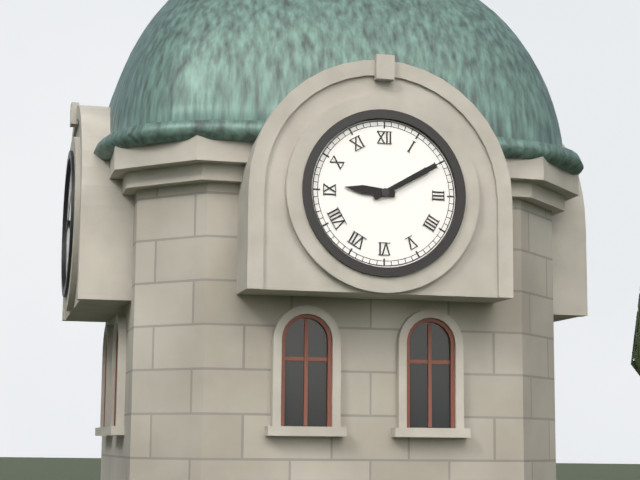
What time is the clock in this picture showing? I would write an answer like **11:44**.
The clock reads **9:10**
